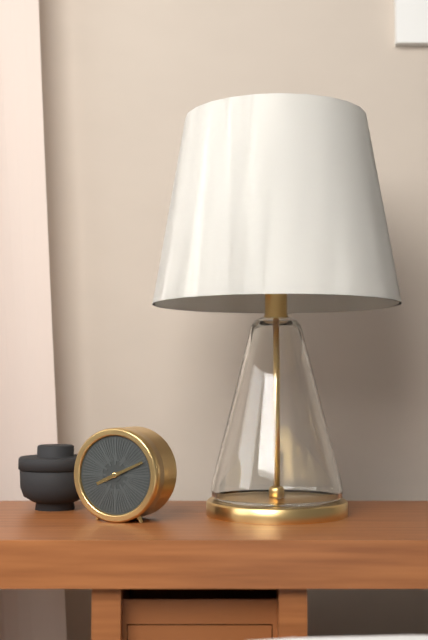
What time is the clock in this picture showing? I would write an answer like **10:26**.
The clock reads **8:11**
